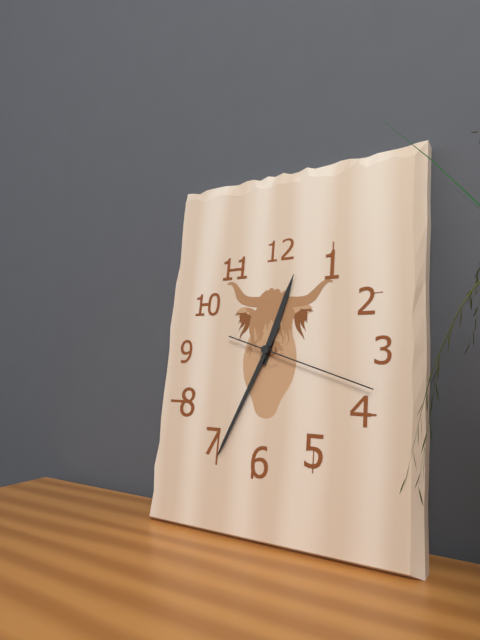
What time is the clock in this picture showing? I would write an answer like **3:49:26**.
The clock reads **12:34:18**
